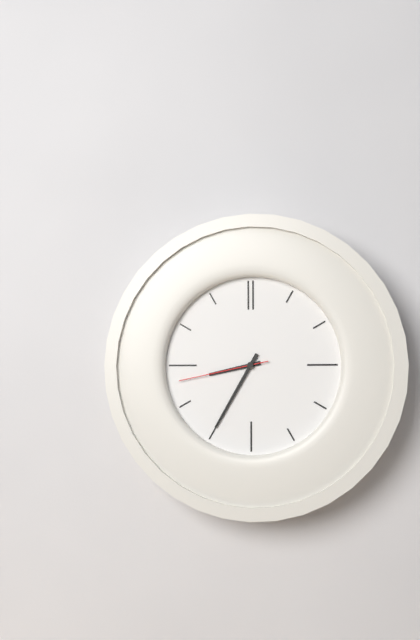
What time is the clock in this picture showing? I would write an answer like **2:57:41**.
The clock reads **8:35:43**
